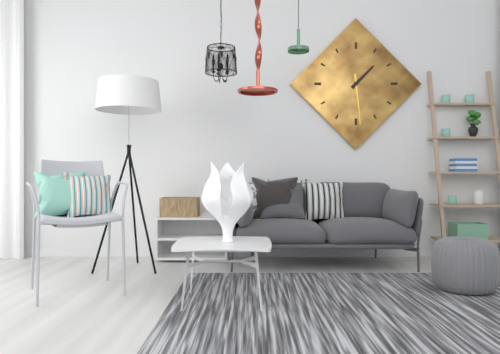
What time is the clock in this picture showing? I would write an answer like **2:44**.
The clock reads **1:29**
